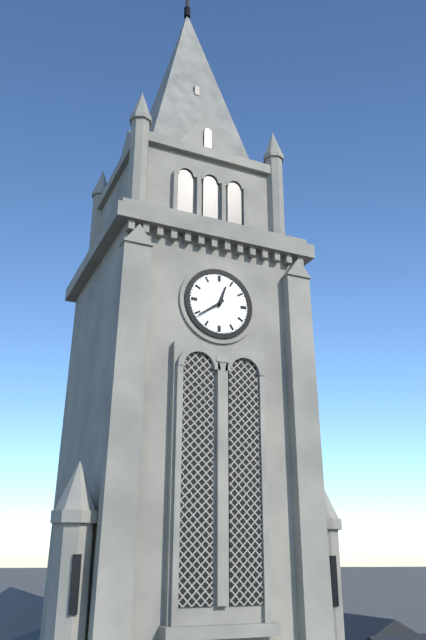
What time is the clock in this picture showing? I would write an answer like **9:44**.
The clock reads **12:39**
